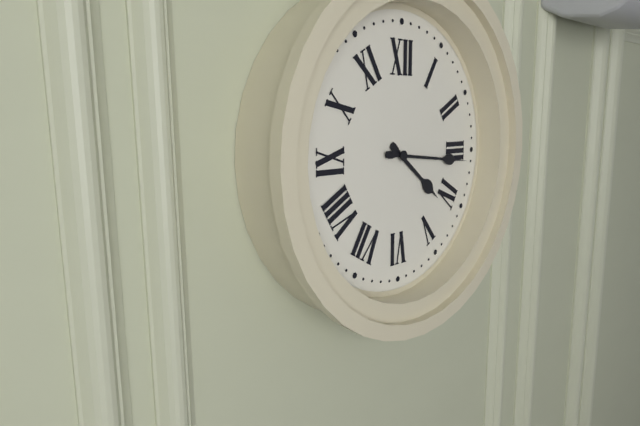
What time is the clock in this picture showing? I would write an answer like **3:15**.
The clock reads **4:16**
